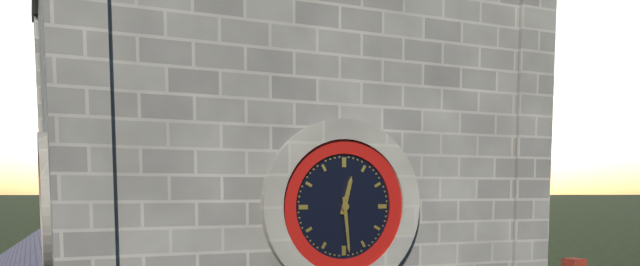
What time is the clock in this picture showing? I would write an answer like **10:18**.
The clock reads **12:29**
